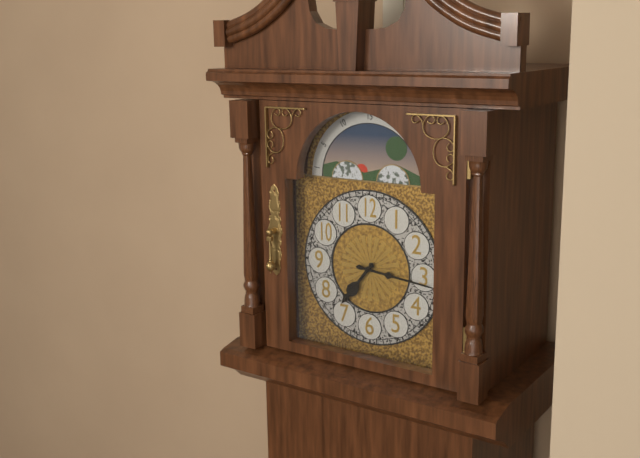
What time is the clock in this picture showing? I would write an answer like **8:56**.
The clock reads **7:16**
